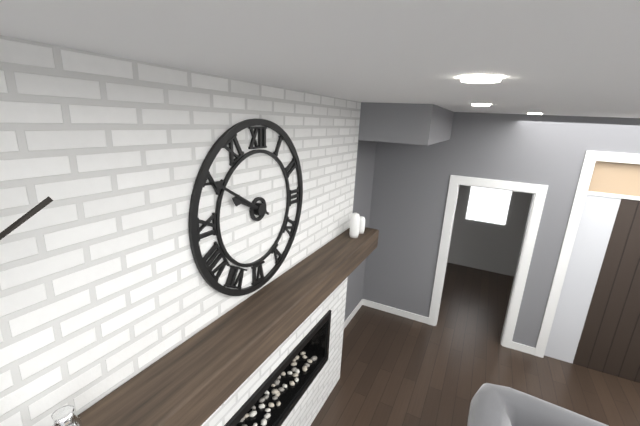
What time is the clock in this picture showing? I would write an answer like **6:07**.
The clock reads **9:50**
